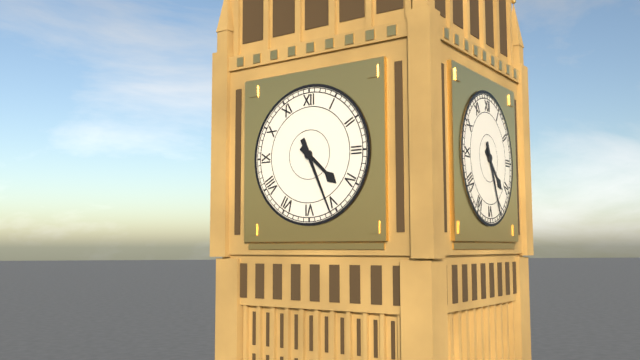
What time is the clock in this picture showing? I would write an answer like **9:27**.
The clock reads **4:26**
